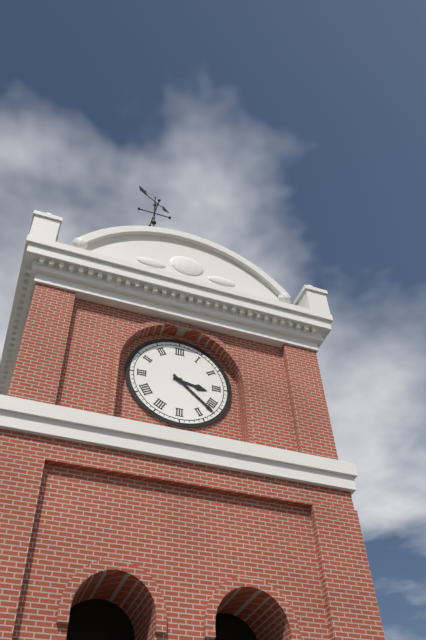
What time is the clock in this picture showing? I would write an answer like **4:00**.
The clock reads **3:22**
